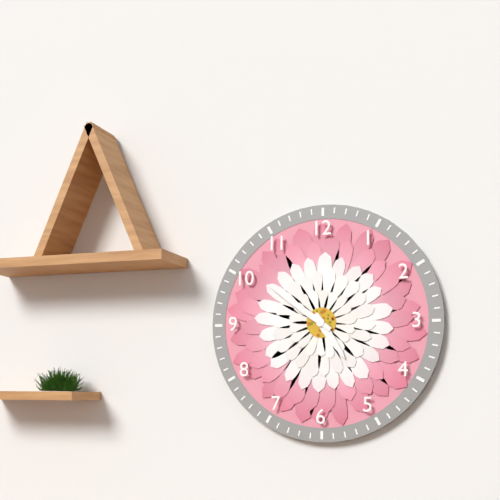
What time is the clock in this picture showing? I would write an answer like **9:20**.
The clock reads **4:51**
